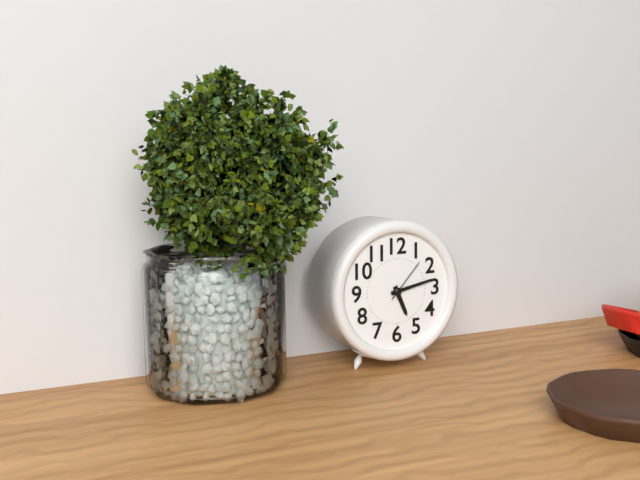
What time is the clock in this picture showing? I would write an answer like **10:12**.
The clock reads **5:13**
